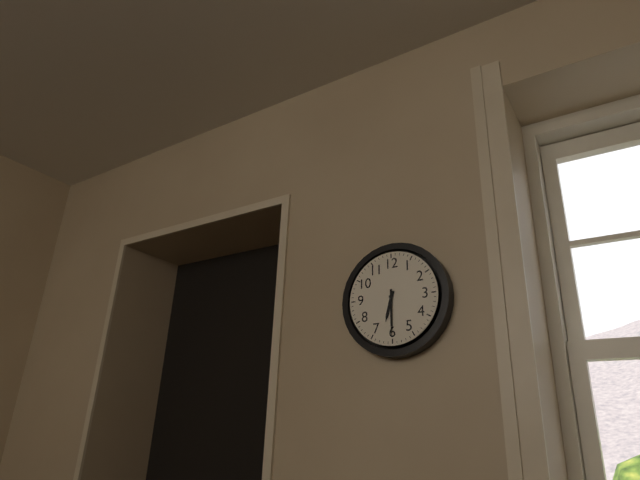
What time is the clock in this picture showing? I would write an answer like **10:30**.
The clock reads **6:30**
